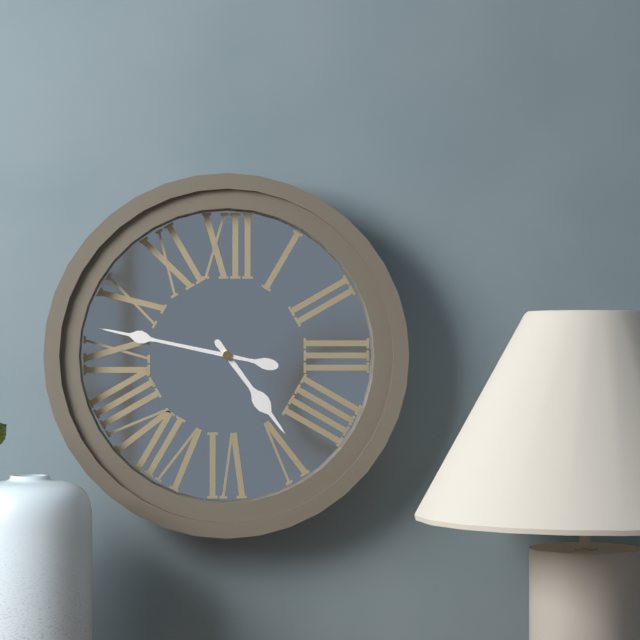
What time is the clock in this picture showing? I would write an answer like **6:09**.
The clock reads **4:47**
